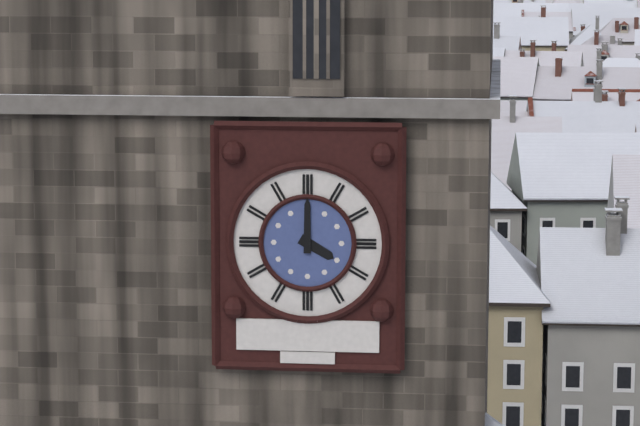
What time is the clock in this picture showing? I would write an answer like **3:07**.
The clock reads **4:00**
